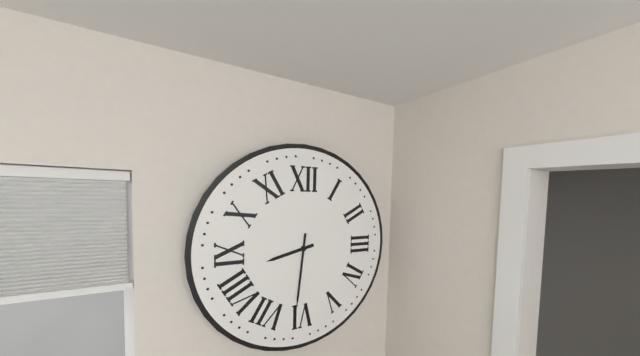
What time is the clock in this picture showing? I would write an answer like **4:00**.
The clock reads **8:31**
